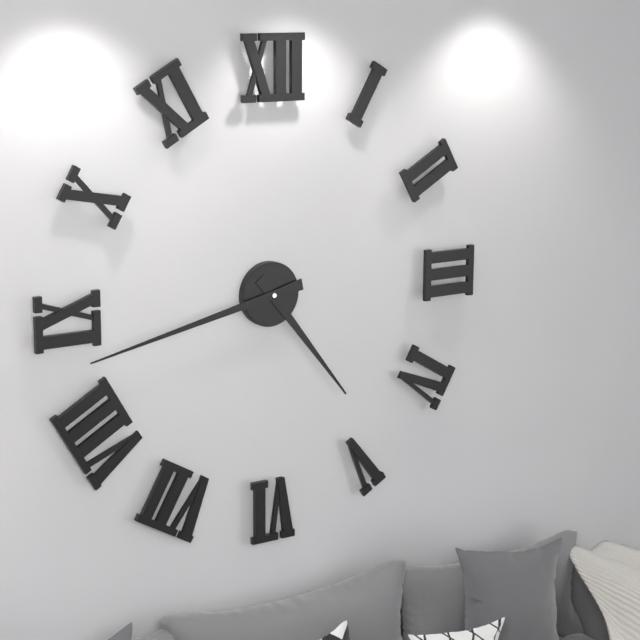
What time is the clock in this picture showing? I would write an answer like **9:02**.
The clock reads **4:43**
